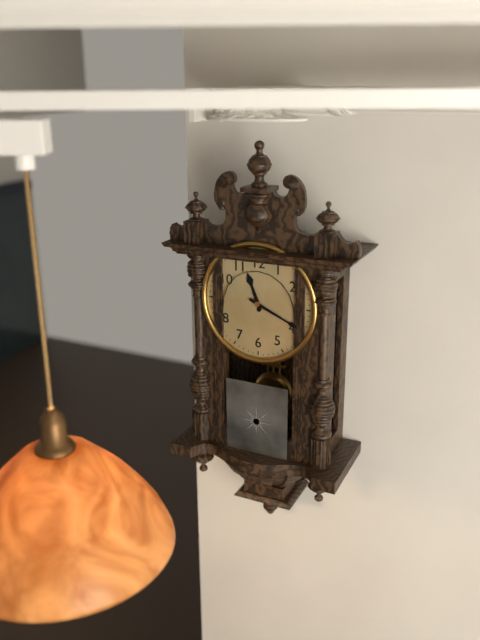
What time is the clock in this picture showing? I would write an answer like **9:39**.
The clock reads **11:19**
